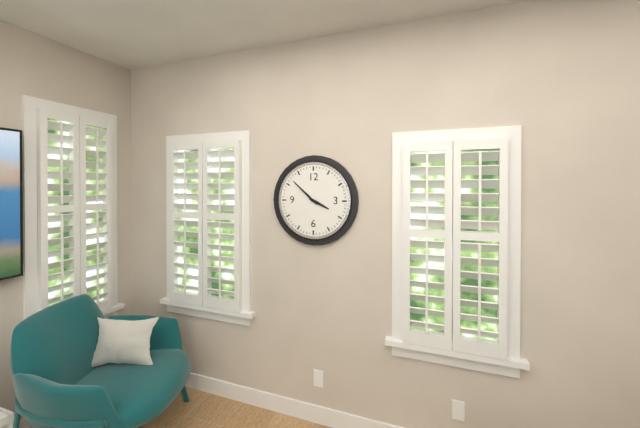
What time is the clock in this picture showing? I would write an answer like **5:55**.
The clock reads **3:52**
